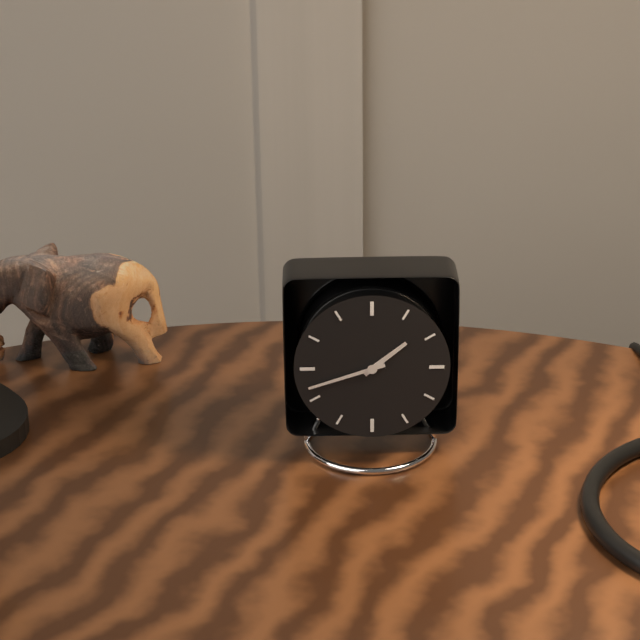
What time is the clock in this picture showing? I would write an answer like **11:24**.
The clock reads **1:42**
